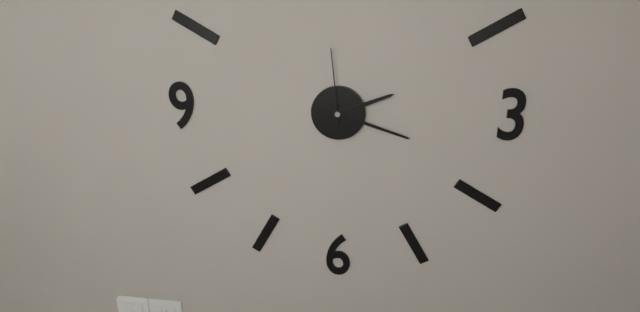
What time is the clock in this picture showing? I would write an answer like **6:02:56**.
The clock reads **2:18:59**
